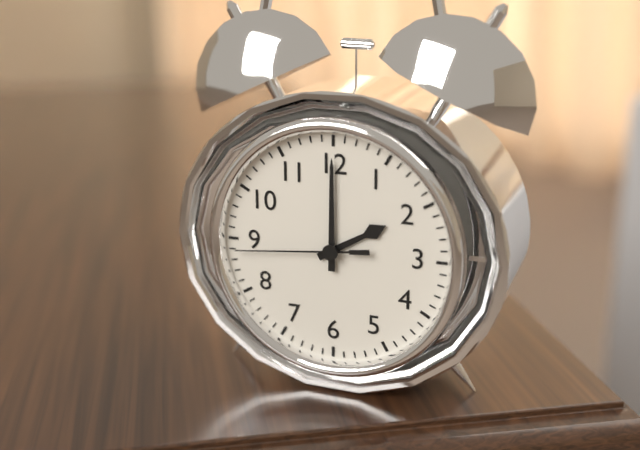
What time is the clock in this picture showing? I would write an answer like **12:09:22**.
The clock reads **2:00:44**
